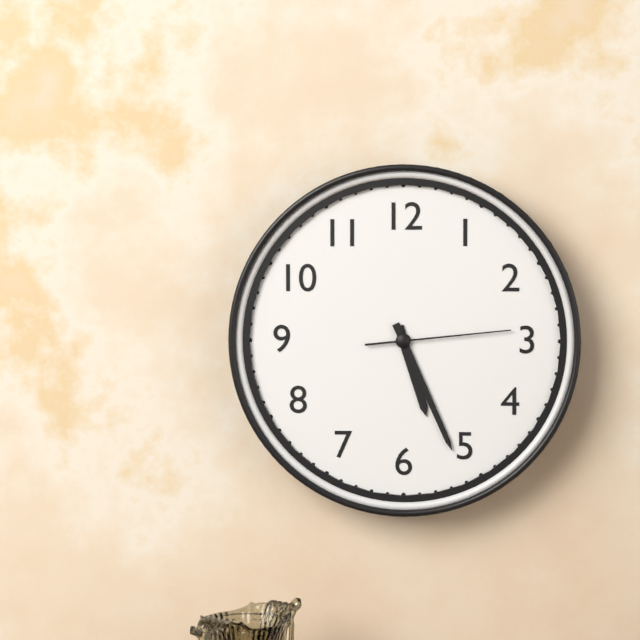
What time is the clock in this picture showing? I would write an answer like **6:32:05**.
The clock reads **5:26:14**
